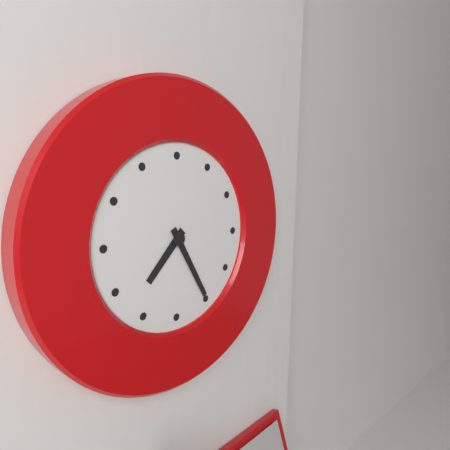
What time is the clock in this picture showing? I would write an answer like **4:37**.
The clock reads **7:25**
